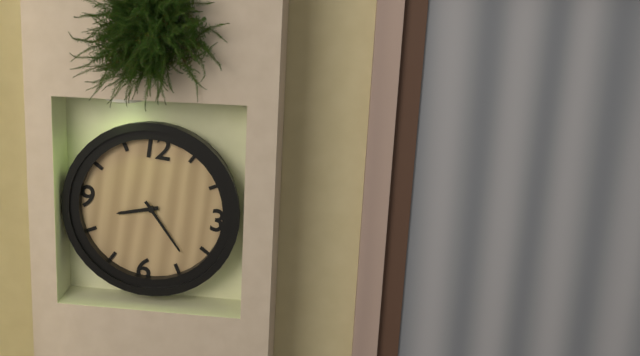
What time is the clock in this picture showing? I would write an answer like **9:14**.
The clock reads **8:23**
